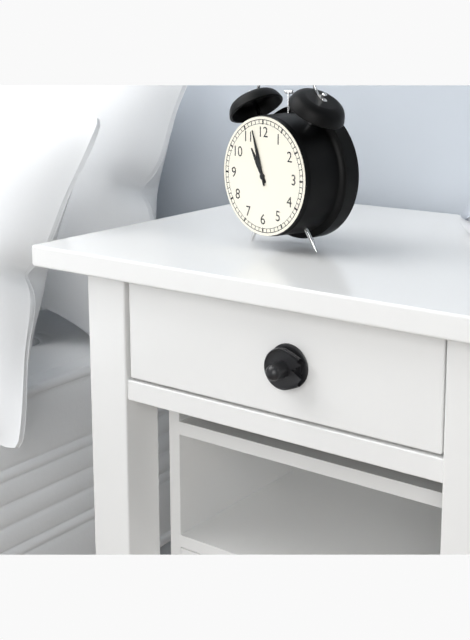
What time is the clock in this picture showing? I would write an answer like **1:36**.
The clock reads **10:57**
